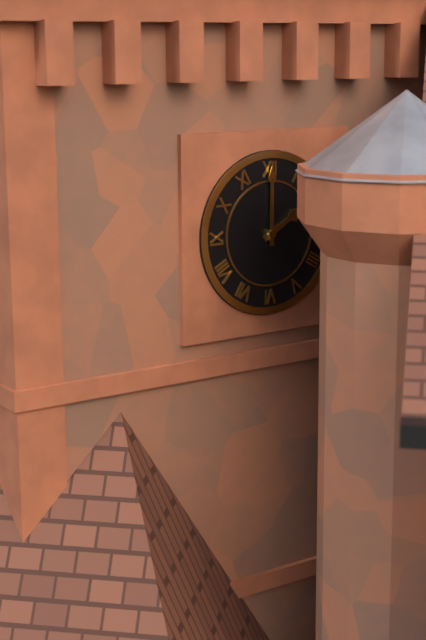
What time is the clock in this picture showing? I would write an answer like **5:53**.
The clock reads **2:00**
